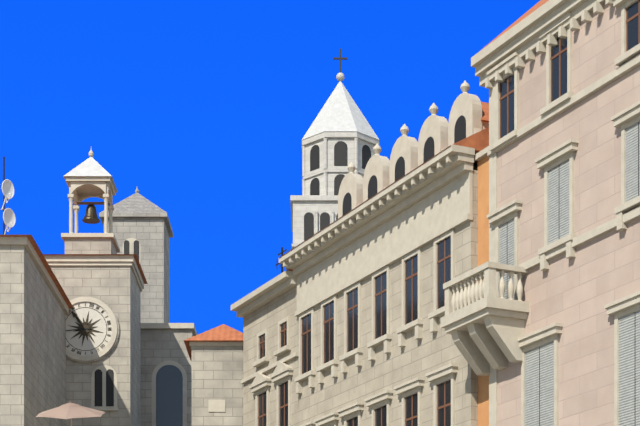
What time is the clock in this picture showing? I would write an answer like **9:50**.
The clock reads **10:44**
